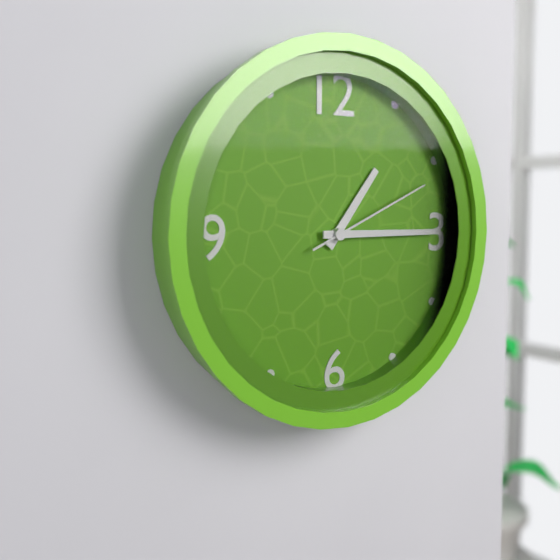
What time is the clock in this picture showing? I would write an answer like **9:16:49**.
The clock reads **1:15:11**
